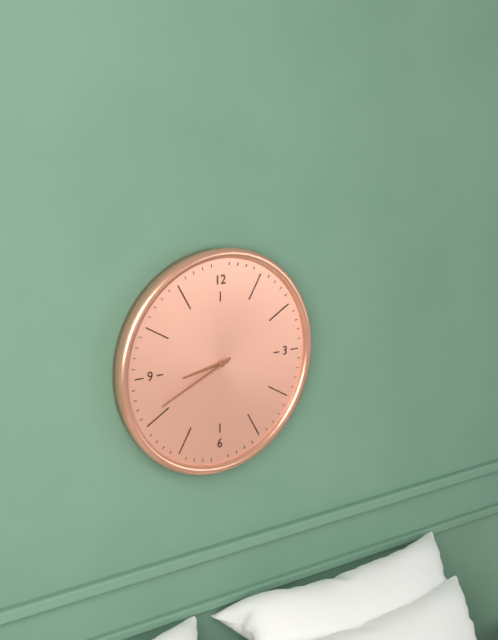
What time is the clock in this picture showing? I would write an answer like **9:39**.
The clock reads **8:41**
